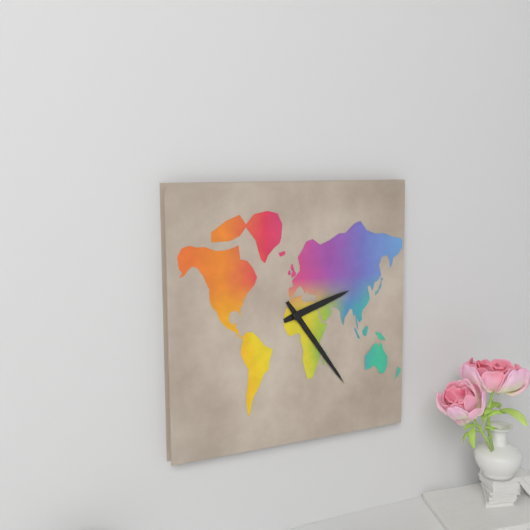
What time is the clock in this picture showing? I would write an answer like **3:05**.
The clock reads **2:24**
